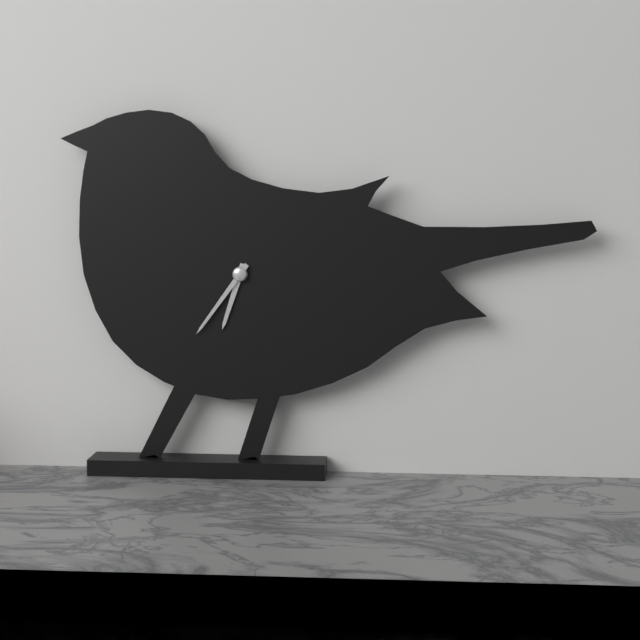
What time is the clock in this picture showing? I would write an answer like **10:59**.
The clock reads **6:36**
